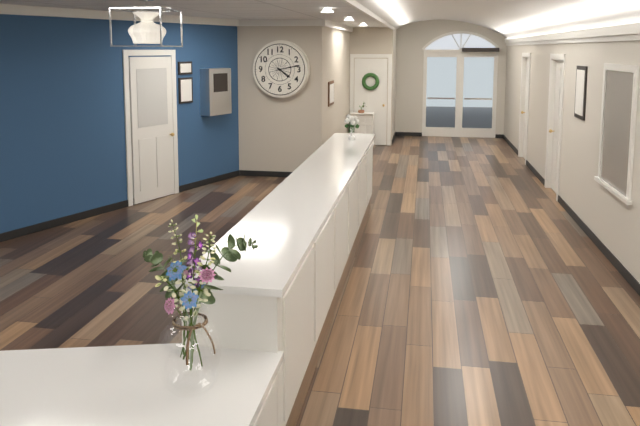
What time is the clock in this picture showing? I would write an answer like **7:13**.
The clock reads **4:13**
